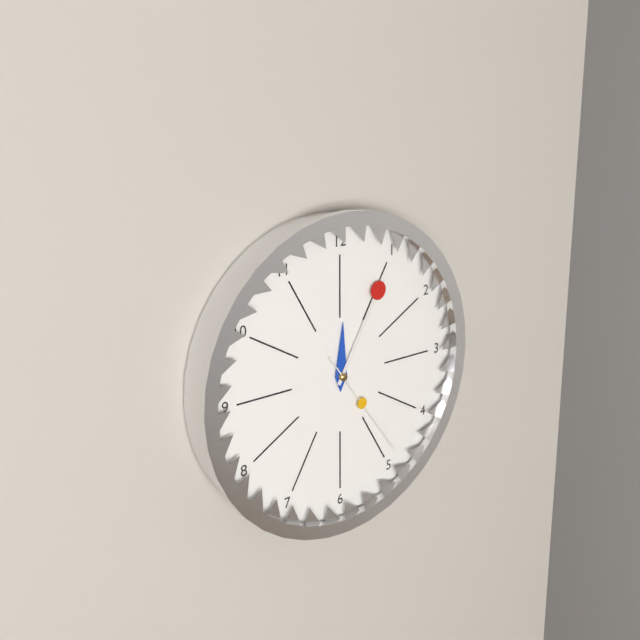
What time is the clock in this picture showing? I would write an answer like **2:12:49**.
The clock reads **12:05:24**
